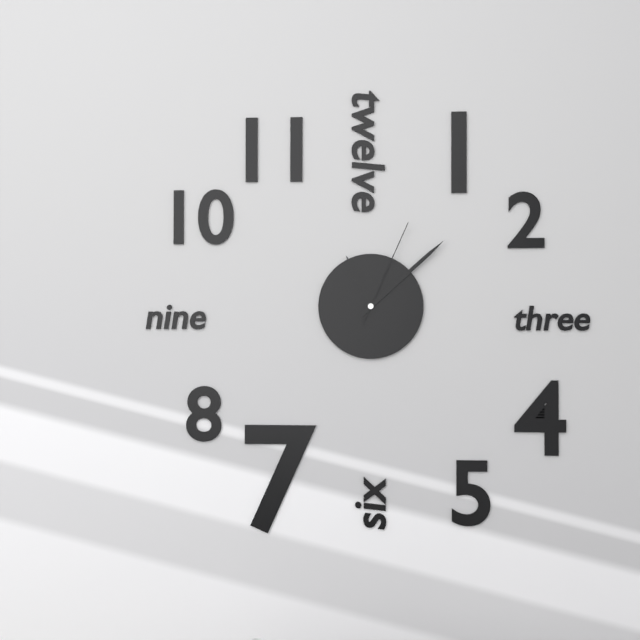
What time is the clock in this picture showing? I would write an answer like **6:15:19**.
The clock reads **11:08:04**
